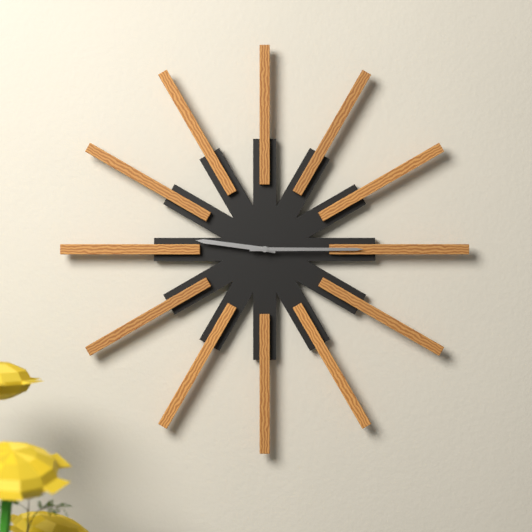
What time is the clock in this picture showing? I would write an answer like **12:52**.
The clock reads **9:15**
